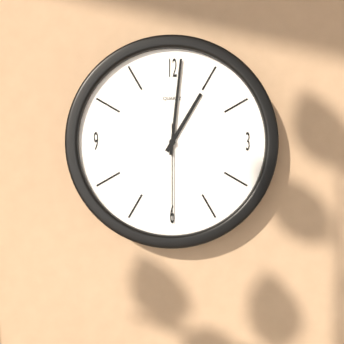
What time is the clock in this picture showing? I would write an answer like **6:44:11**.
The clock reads **1:01:30**
